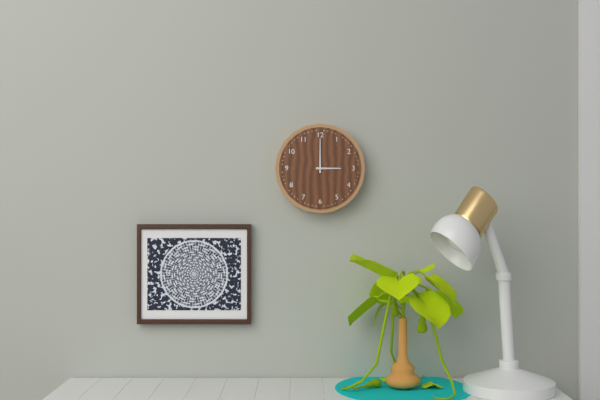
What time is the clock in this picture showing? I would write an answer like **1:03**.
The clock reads **3:00**
